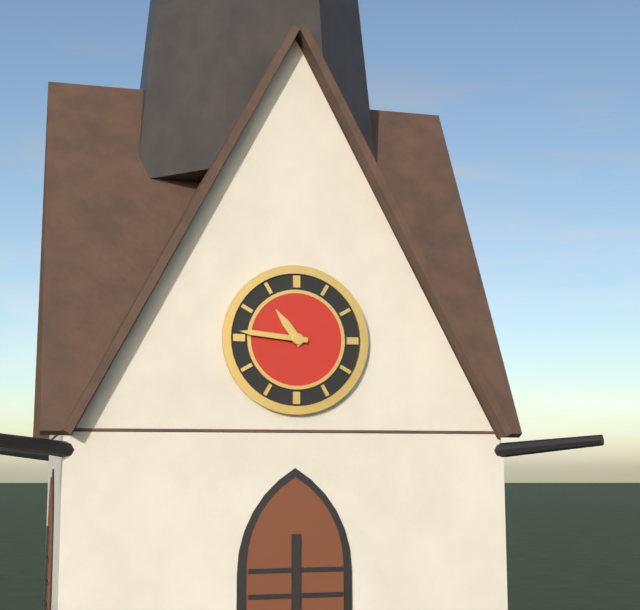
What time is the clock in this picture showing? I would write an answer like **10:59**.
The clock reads **10:46**
